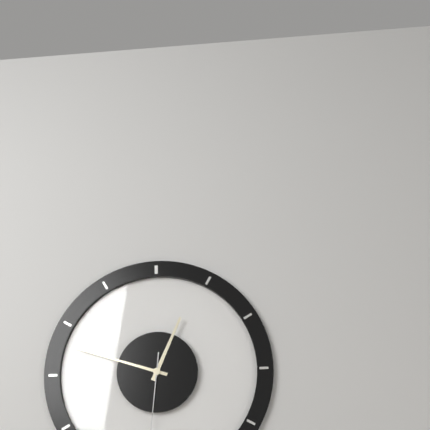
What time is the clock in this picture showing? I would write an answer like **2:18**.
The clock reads **12:48**
